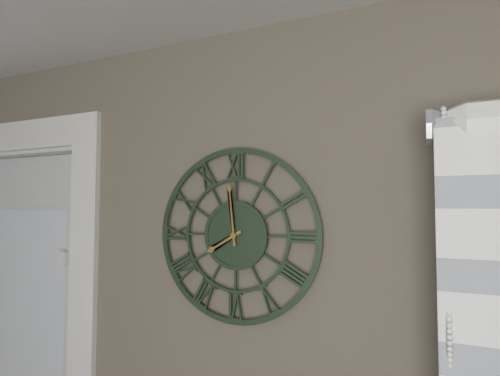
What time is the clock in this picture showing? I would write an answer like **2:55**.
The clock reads **7:59**
